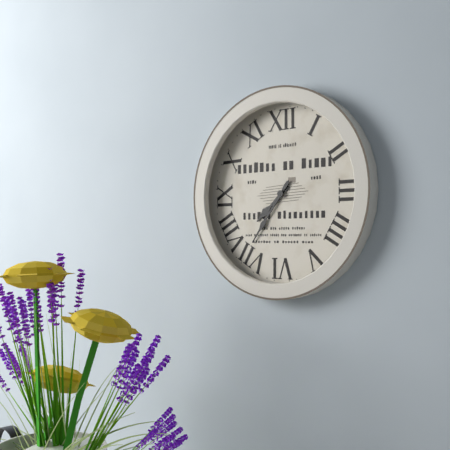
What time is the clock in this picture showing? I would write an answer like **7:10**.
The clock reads **7:36**
